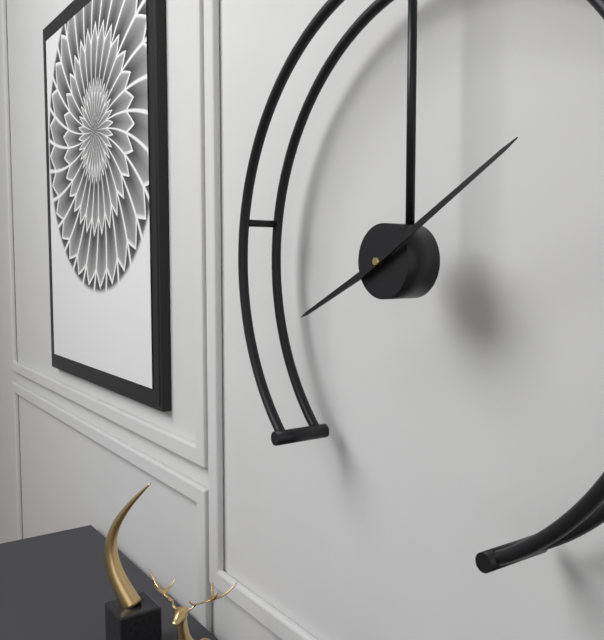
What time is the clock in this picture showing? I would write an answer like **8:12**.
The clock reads **8:10**
